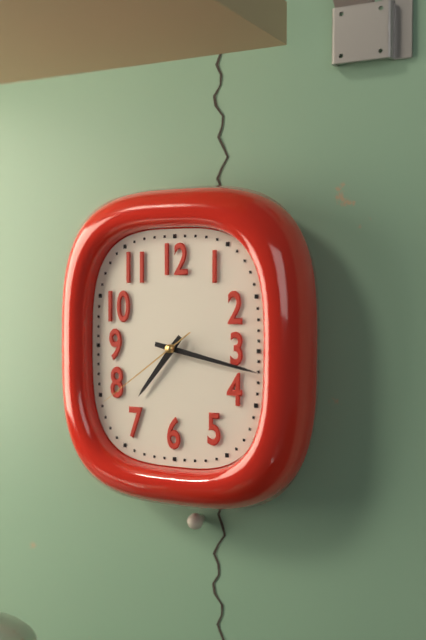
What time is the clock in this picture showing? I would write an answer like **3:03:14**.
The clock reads **7:17:39**
